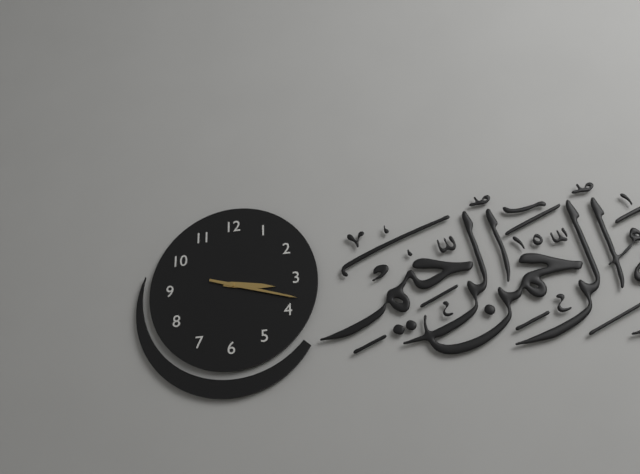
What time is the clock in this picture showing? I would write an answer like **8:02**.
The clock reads **3:18**
